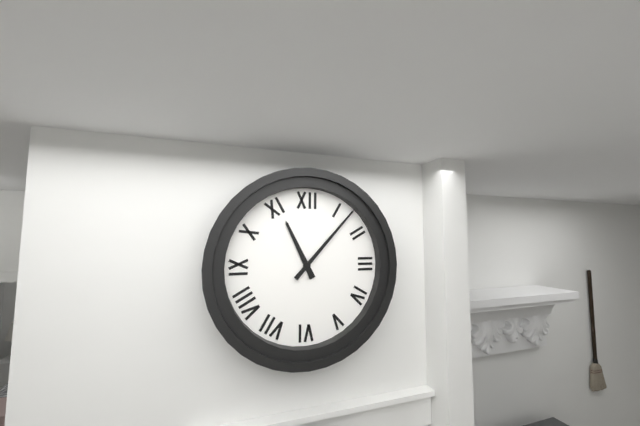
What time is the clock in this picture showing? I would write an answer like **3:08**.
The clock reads **11:07**
